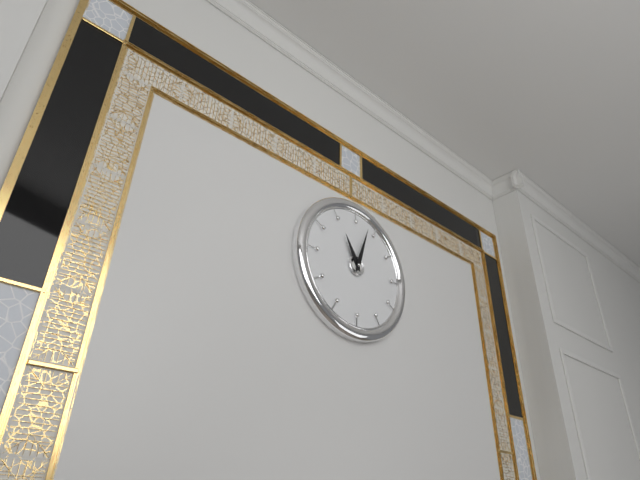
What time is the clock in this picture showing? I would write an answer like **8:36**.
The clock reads **11:03**
